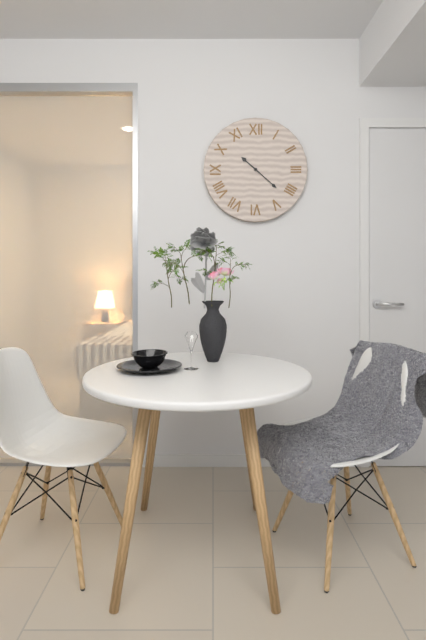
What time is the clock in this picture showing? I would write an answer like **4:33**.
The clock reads **10:22**
